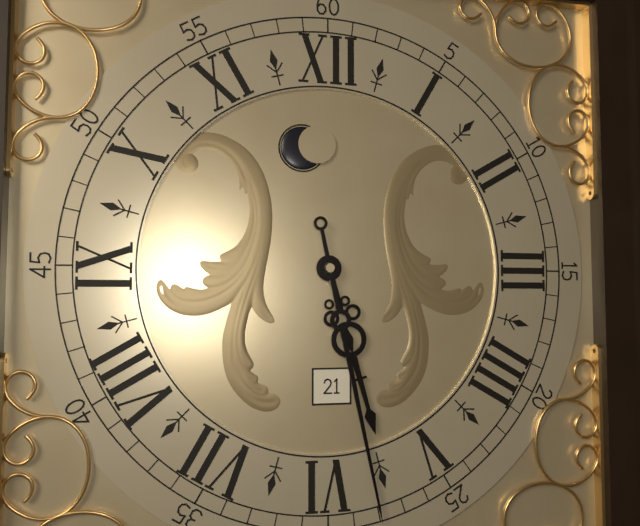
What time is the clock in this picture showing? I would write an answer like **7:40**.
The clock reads **5:28**
